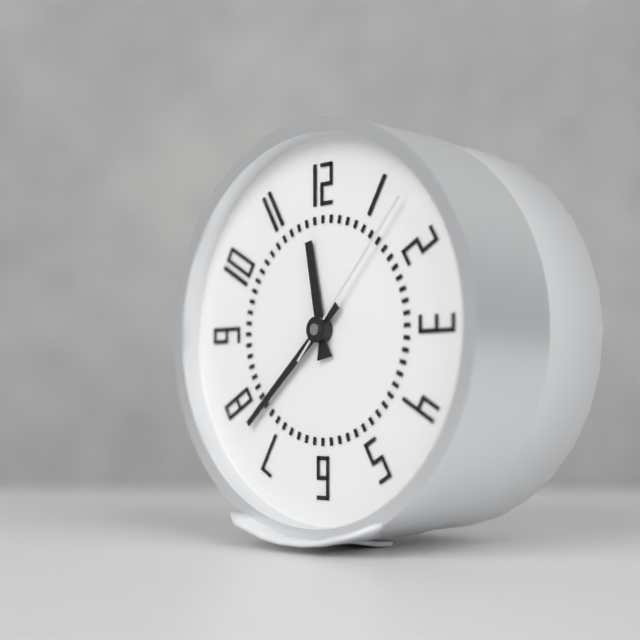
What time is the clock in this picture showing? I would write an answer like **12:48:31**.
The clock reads **11:38:07**
